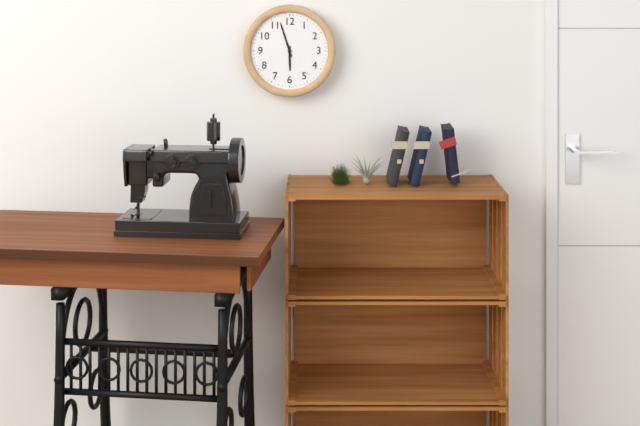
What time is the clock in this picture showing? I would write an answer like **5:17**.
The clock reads **5:57**
